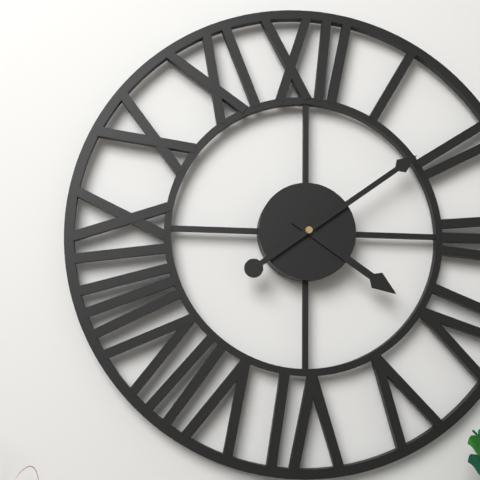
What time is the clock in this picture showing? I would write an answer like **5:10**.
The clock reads **4:09**
